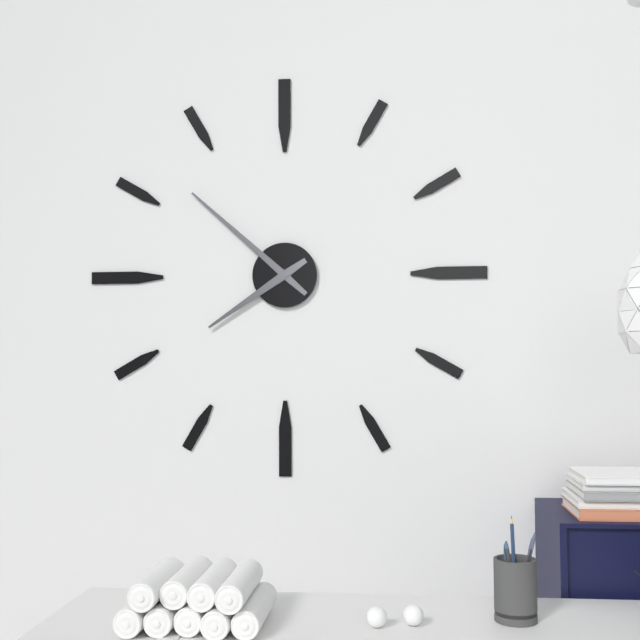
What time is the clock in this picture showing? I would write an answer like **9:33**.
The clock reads **7:52**
